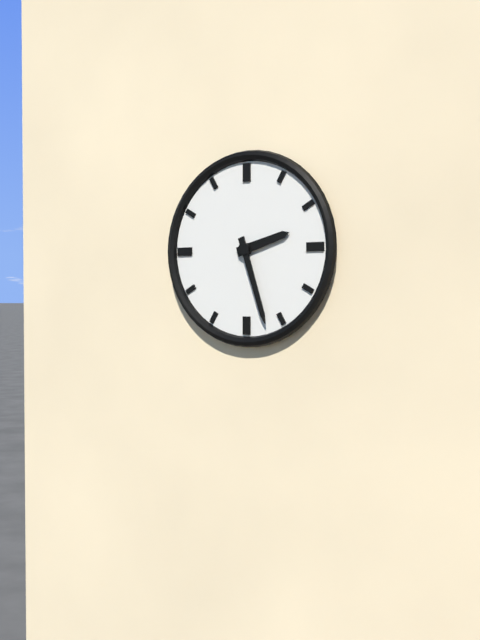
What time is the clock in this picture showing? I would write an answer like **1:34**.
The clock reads **2:27**
